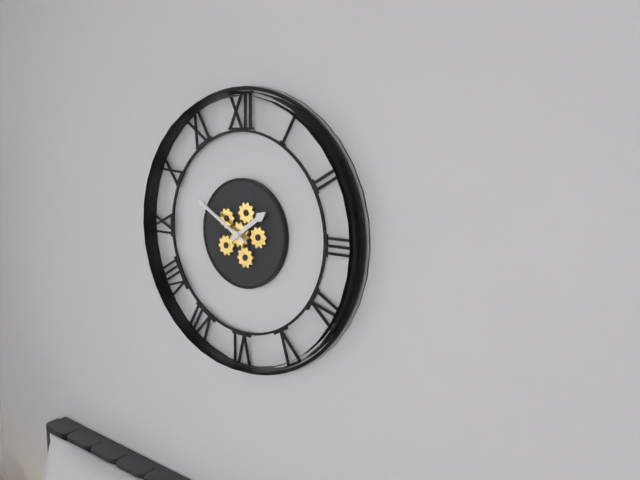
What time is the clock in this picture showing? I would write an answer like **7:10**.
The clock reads **1:50**
